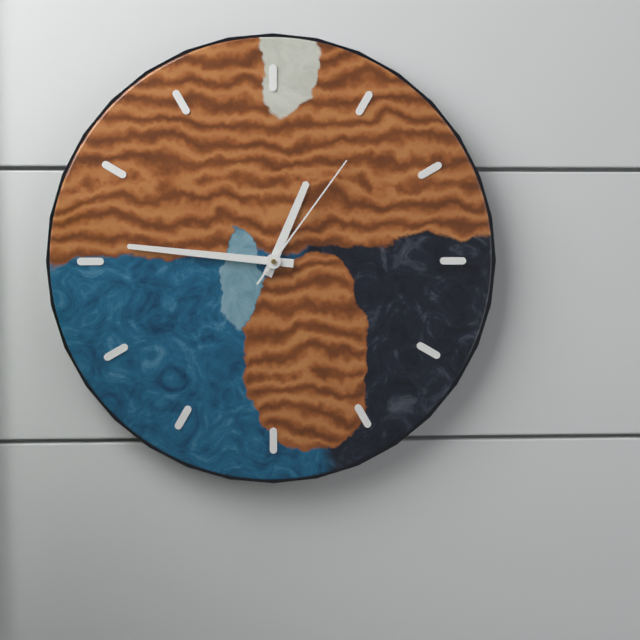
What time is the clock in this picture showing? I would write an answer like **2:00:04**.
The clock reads **12:46:06**
